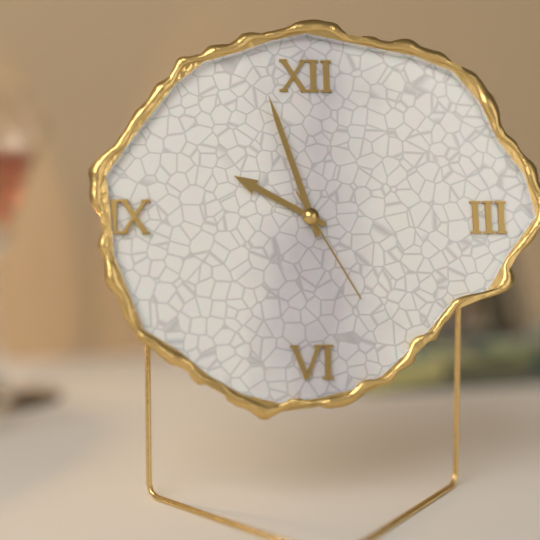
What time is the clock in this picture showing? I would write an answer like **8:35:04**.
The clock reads **9:57:25**
